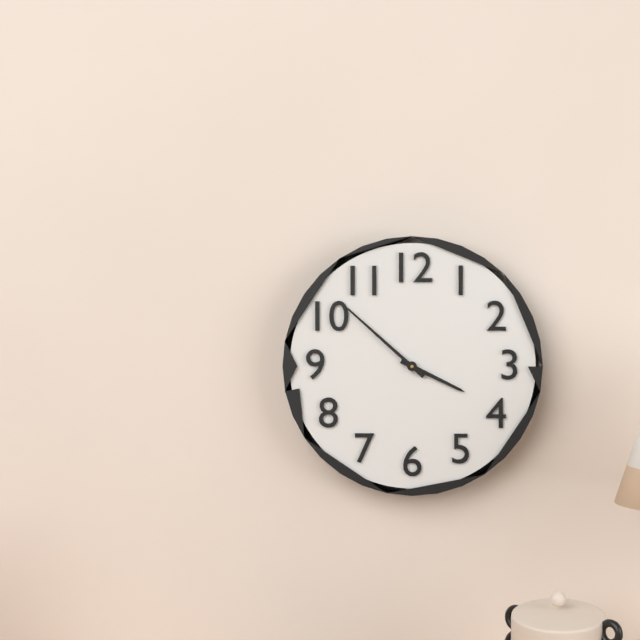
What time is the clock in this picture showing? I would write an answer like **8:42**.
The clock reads **3:52**
